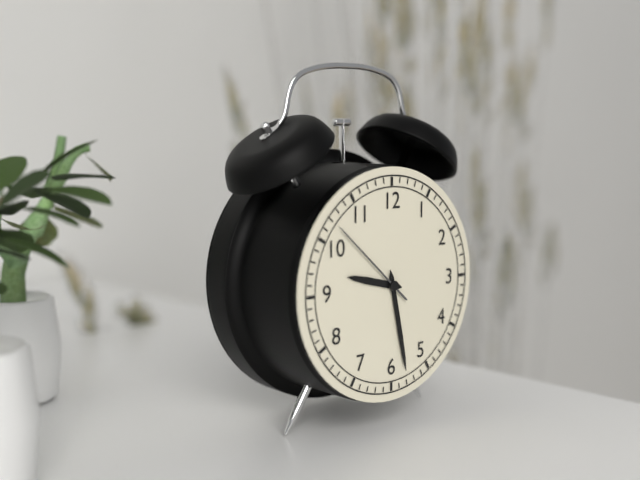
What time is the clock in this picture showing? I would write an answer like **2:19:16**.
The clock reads **9:28:52**
